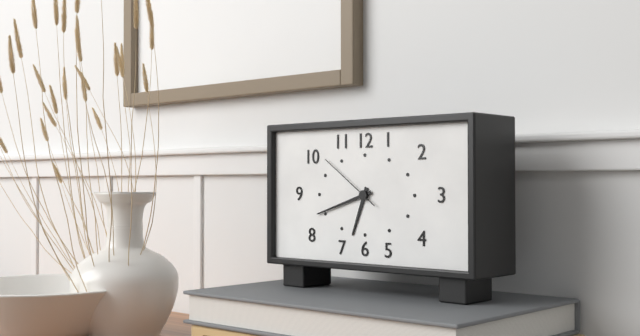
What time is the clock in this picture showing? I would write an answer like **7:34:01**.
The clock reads **6:42:51**
